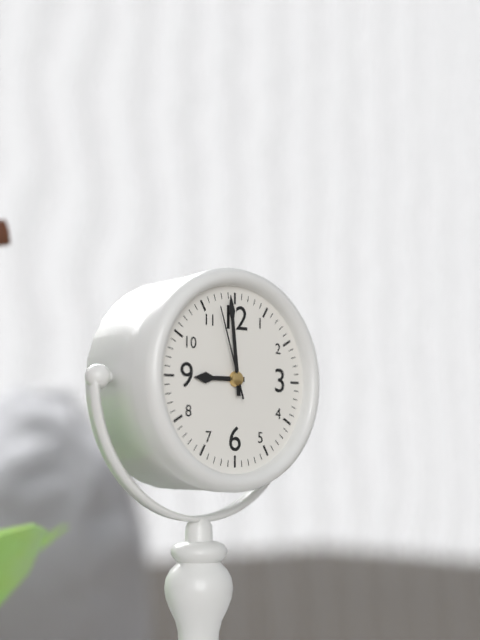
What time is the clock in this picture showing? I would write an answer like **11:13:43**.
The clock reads **8:59:57**
